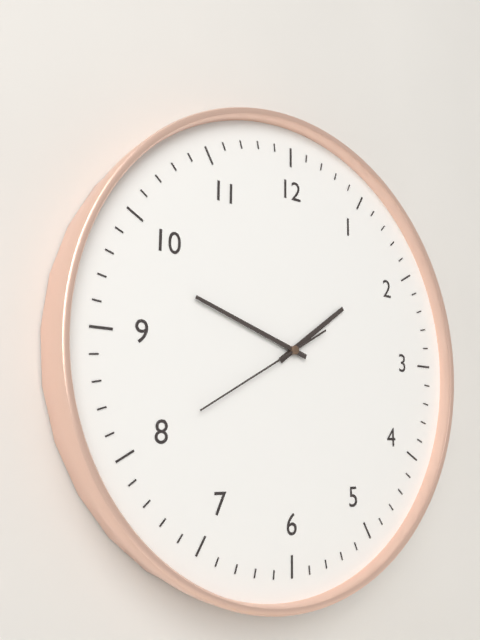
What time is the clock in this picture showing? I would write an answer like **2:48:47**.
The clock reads **1:48:40**
